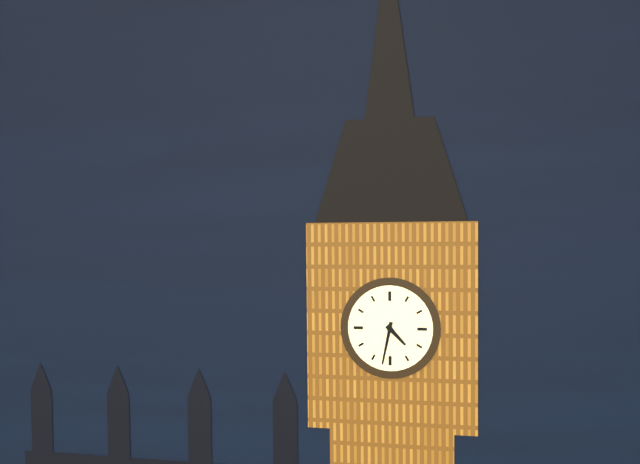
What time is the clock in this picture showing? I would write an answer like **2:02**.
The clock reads **4:32**
